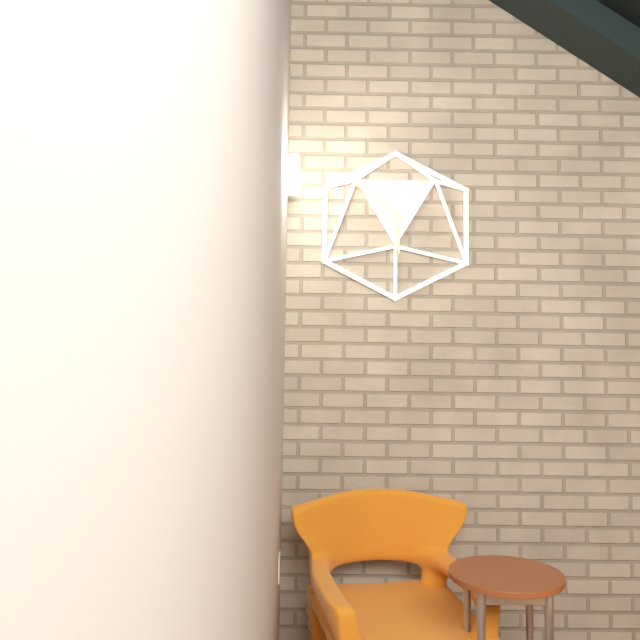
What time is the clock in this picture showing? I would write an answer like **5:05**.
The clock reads **5:51**
